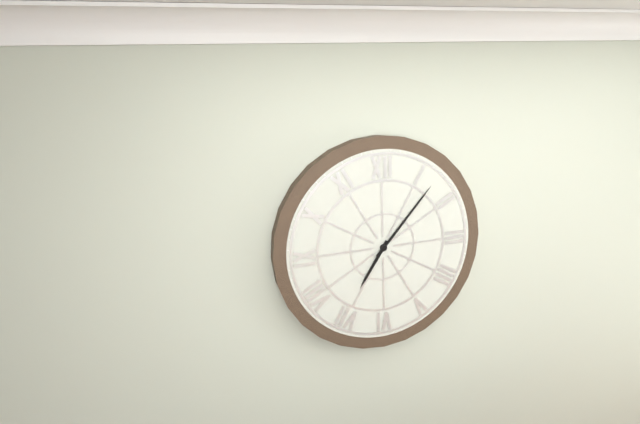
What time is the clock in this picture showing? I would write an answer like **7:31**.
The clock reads **7:07**
